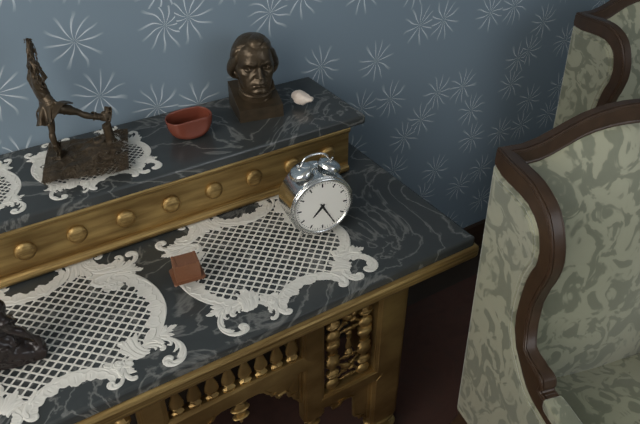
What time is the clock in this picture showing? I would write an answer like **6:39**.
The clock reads **7:25**
